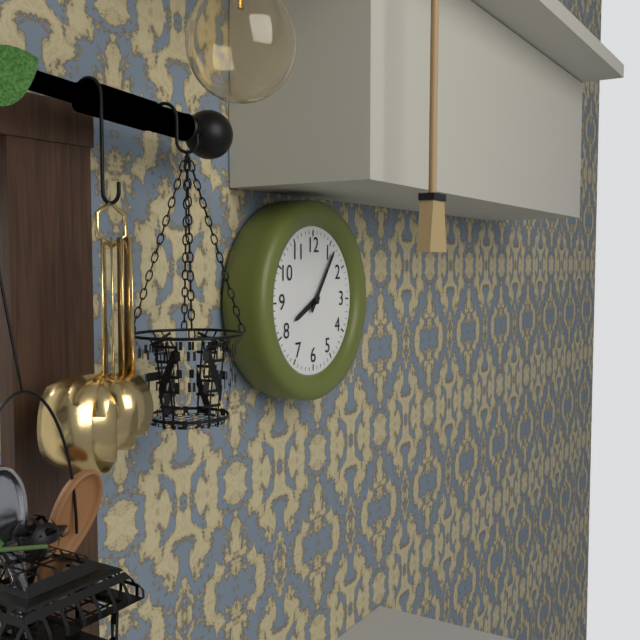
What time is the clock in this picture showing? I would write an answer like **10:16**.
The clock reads **8:06**
